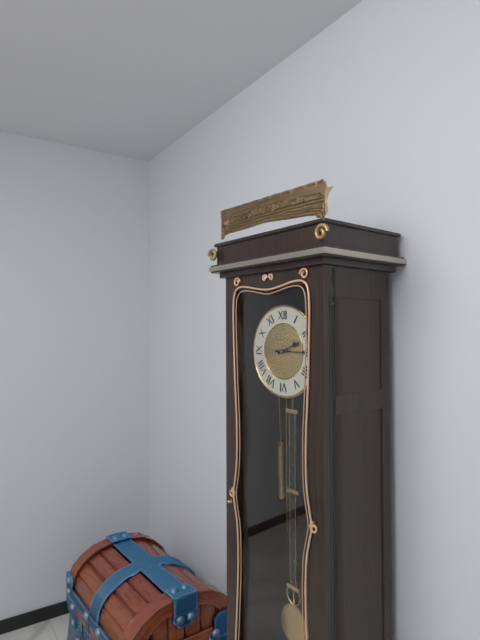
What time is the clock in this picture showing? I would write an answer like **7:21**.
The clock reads **2:15**
